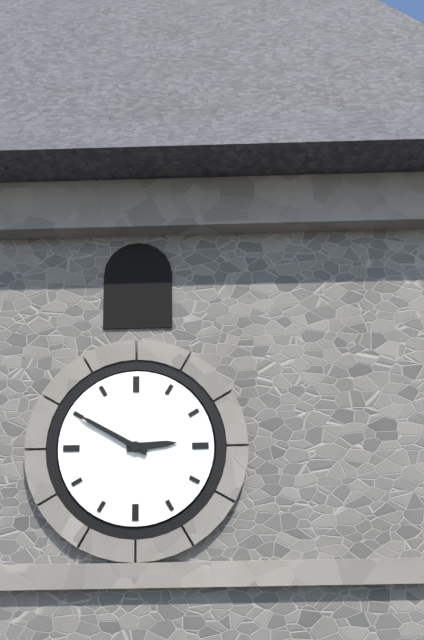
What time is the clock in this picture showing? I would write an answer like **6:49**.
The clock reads **2:50**
